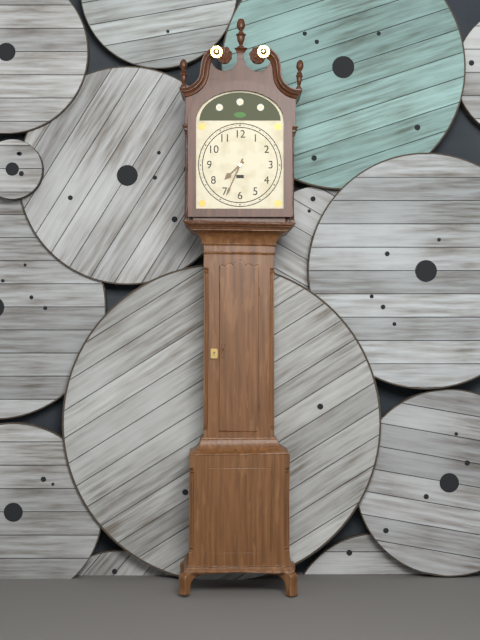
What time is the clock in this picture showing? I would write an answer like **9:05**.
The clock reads **7:34**
